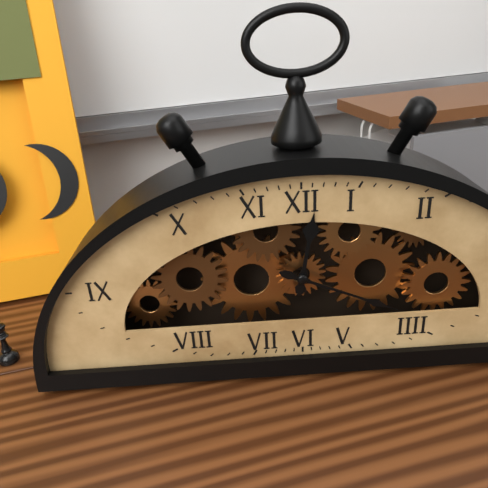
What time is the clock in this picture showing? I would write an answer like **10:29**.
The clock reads **12:19**
